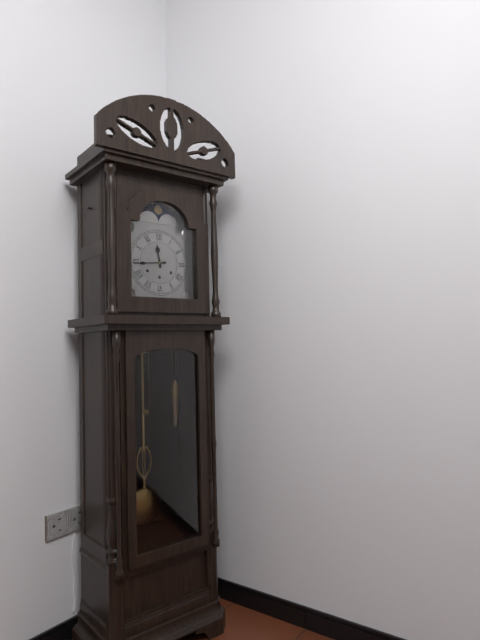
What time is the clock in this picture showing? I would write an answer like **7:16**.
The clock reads **11:44**
